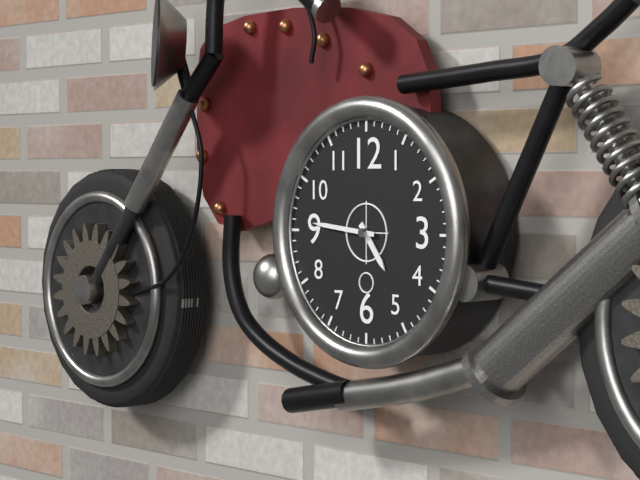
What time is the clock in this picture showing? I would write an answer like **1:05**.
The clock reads **4:46**
